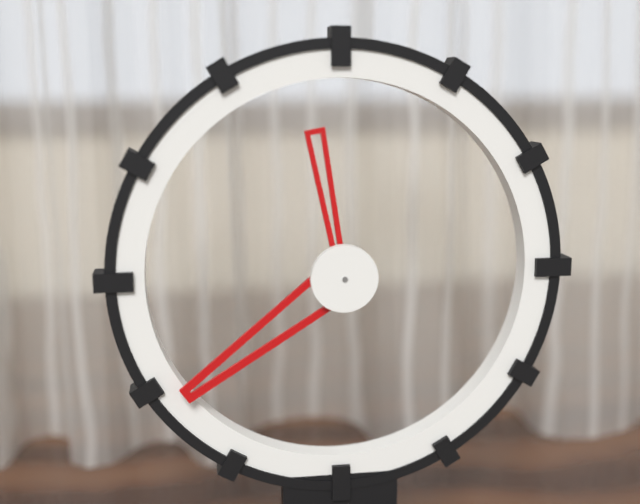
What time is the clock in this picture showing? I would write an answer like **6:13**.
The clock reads **11:39**
